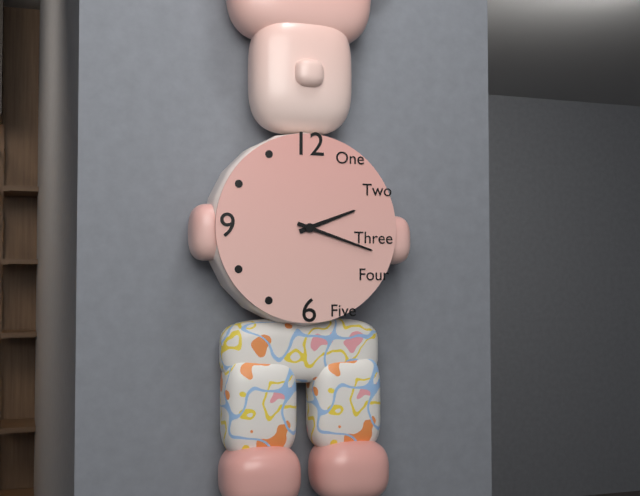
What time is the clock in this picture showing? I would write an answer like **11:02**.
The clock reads **2:18**
